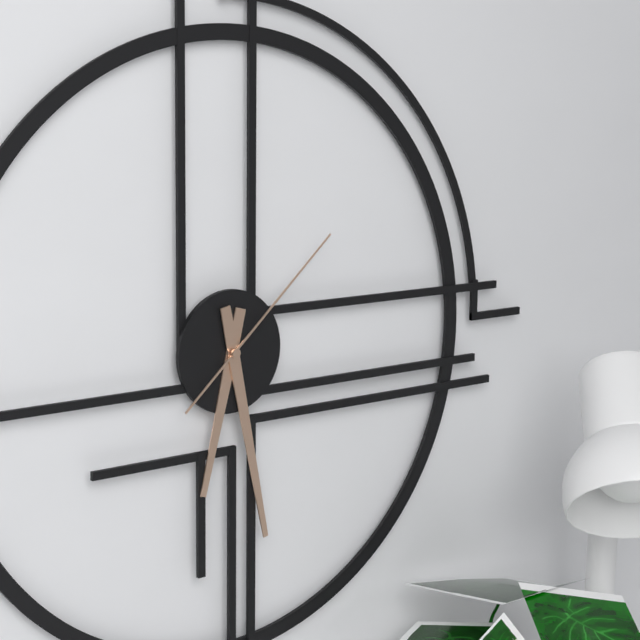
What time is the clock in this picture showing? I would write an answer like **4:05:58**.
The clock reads **6:28:08**
